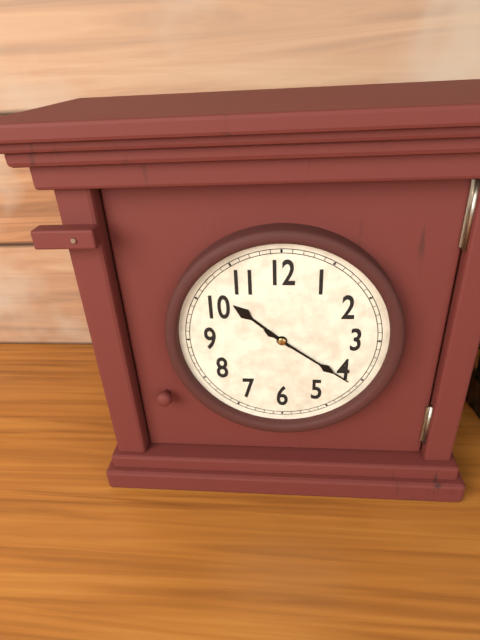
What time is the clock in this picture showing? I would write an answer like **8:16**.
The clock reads **10:21**
